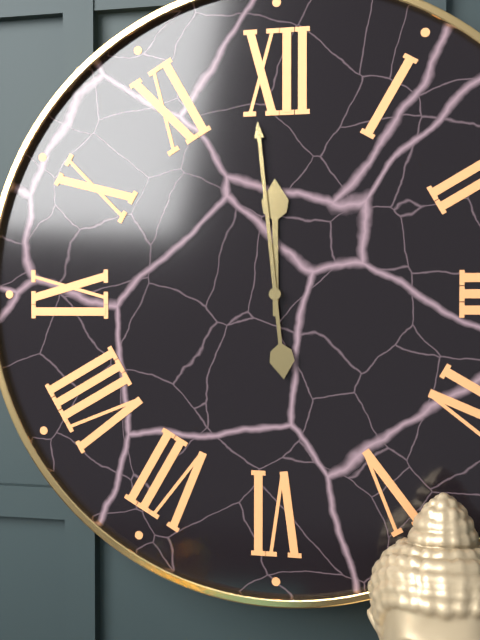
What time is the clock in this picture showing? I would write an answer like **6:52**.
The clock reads **11:59**
